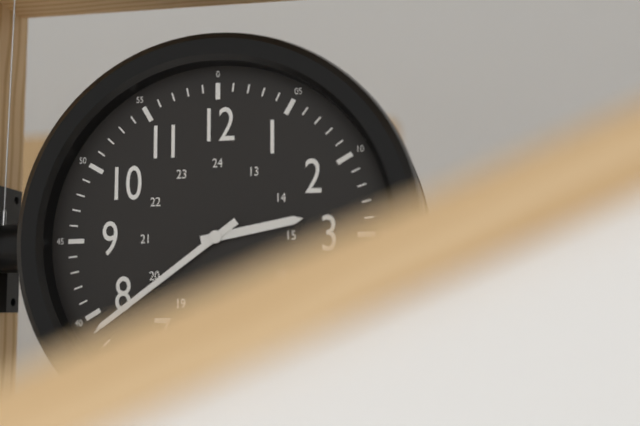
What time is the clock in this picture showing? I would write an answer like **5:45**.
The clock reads **2:39**
